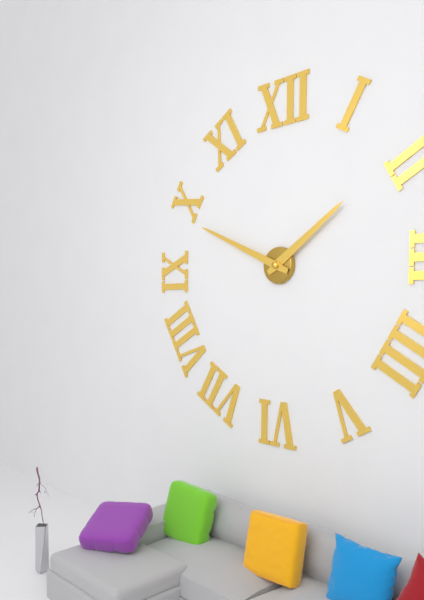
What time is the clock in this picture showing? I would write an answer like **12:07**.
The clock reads **1:49**
